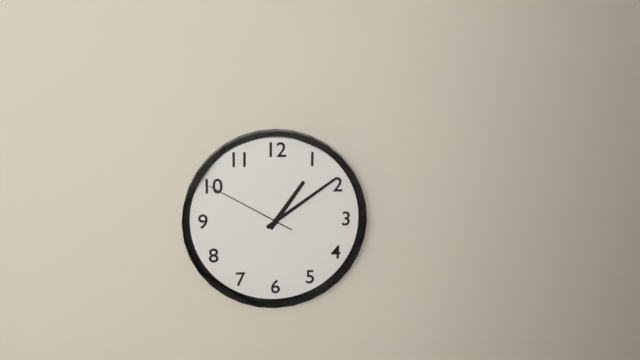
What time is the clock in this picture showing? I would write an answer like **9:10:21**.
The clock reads **1:09:50**
